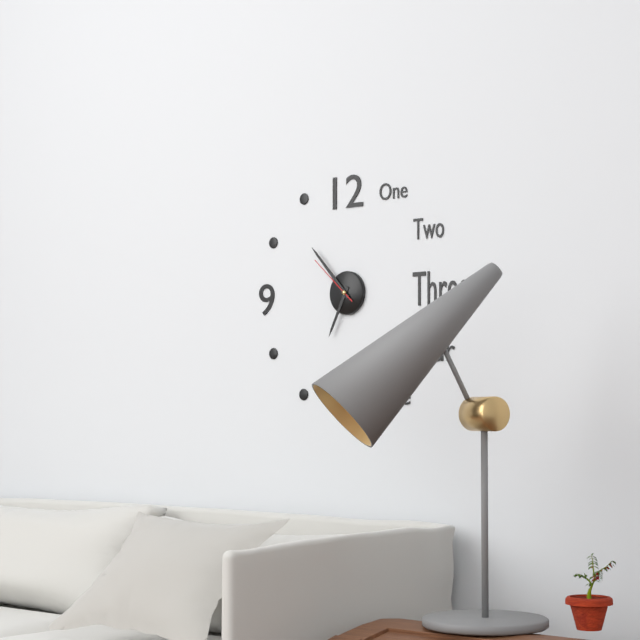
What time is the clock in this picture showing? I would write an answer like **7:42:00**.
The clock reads **6:53:52**
